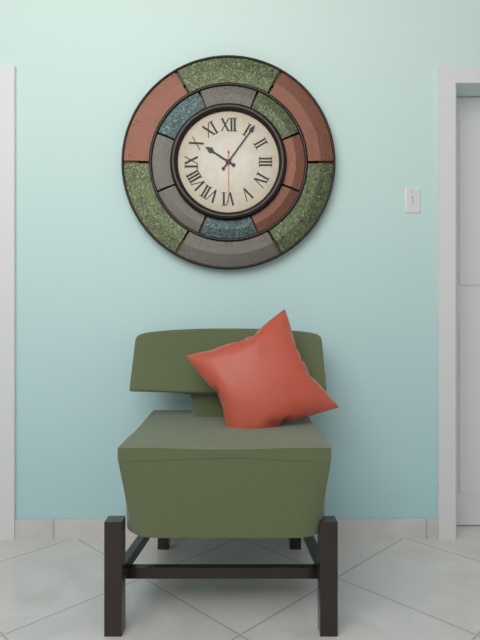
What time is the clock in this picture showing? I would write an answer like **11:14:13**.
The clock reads **10:06:30**
